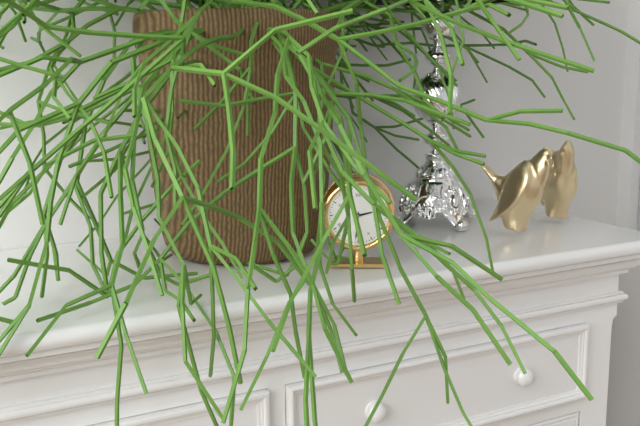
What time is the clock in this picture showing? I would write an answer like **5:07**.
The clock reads **2:31**
